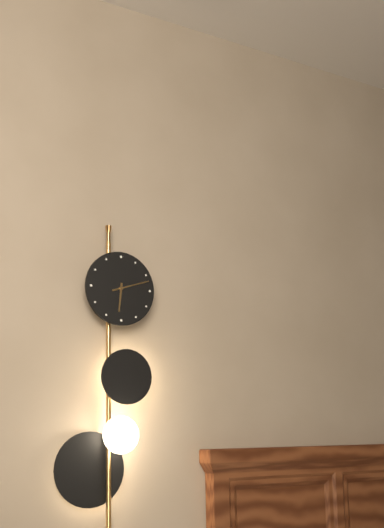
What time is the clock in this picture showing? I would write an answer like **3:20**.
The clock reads **6:12**
